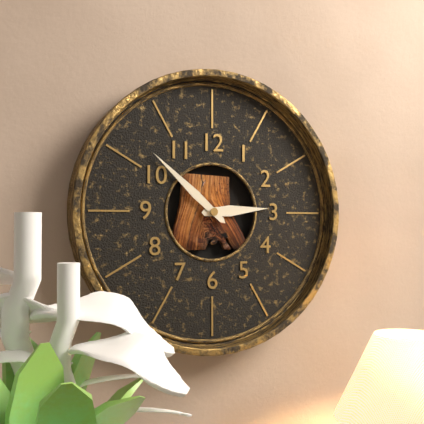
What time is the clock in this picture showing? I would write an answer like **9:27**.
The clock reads **2:52**
